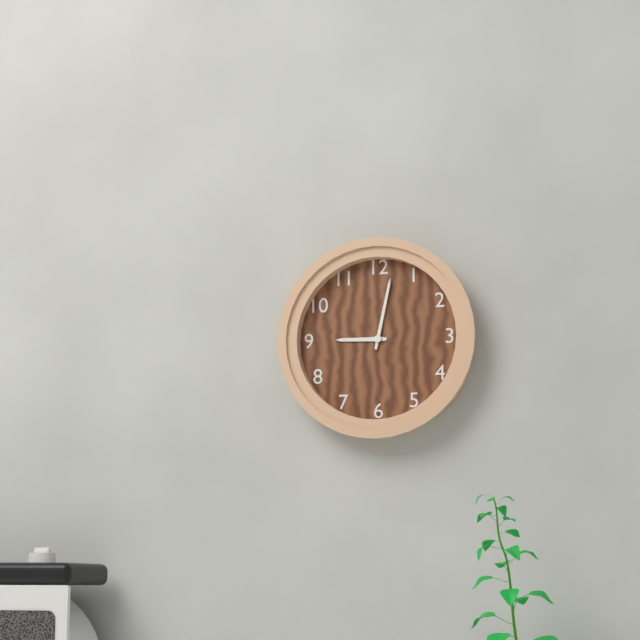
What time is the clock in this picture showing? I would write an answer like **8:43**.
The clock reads **9:02**
